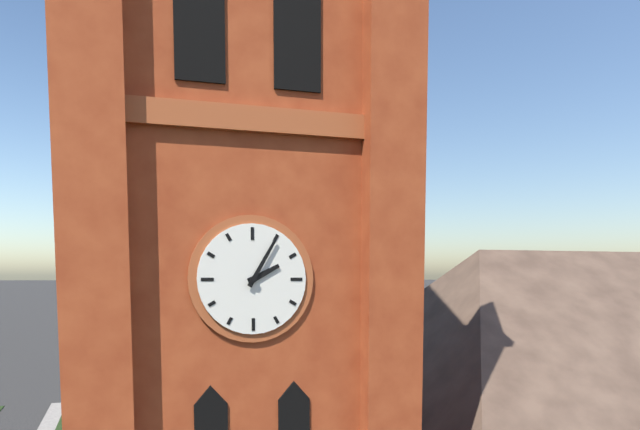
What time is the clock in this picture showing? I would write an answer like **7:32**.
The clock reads **2:05**
